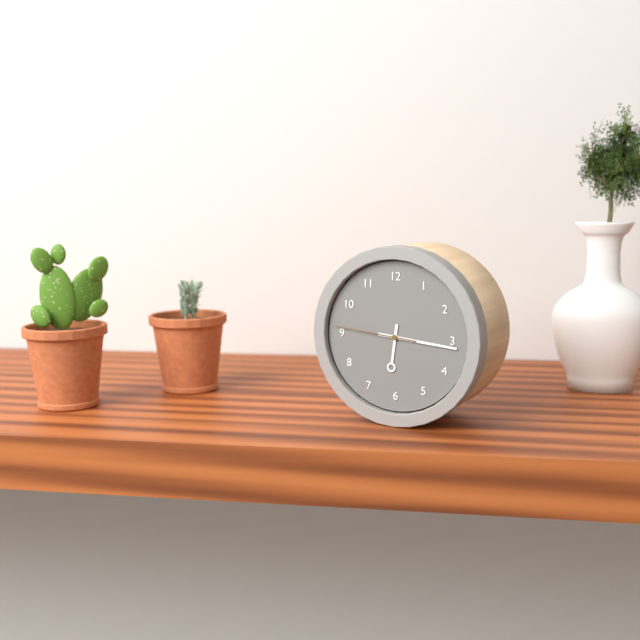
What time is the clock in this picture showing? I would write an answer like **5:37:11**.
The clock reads **6:16:46**
